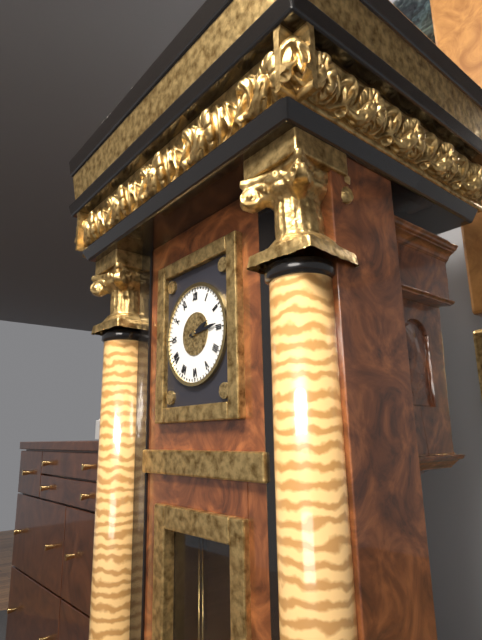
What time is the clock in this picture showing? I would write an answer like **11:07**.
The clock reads **2:14**
